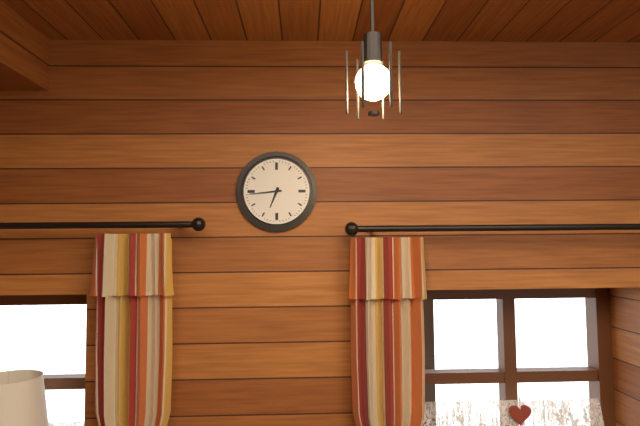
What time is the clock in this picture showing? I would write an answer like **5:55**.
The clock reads **6:44**
